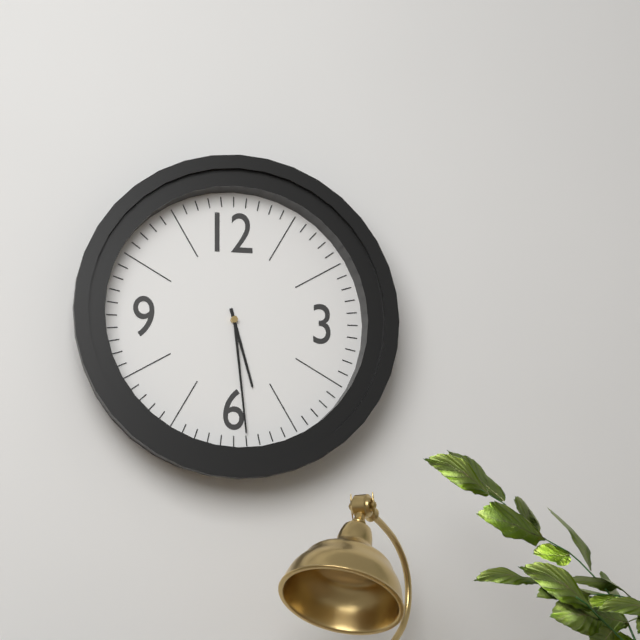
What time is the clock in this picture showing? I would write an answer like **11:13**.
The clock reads **5:29**
